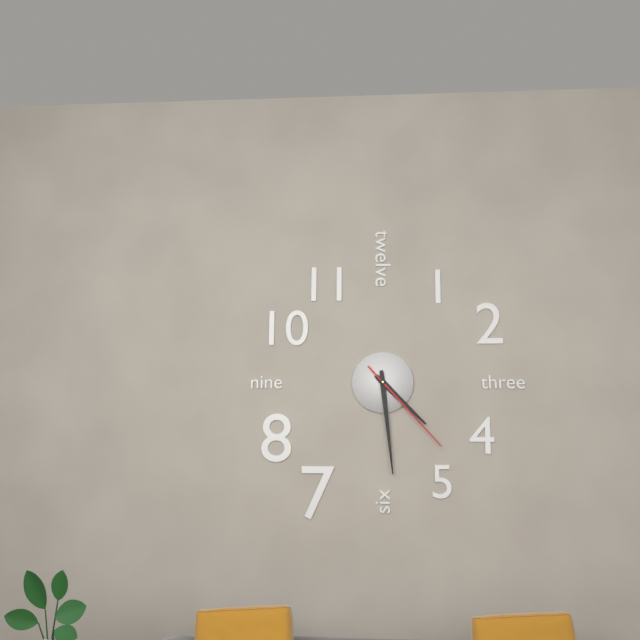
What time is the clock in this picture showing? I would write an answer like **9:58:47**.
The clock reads **4:29:23**
